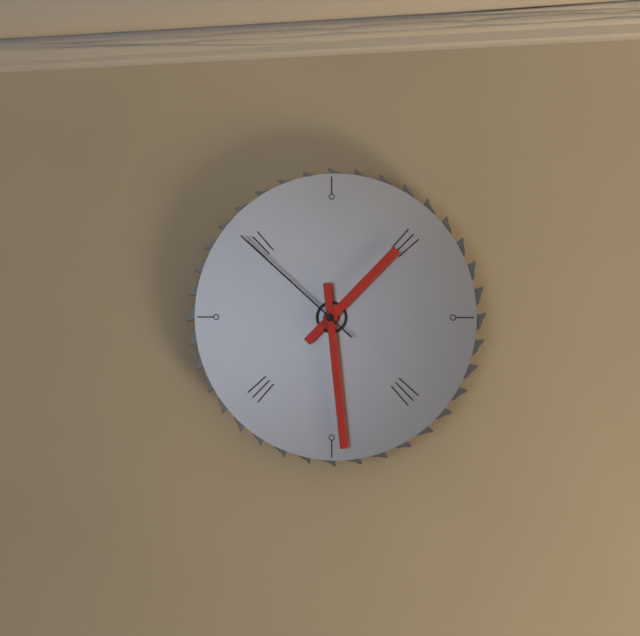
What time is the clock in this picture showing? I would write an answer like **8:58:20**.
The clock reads **1:29:52**
